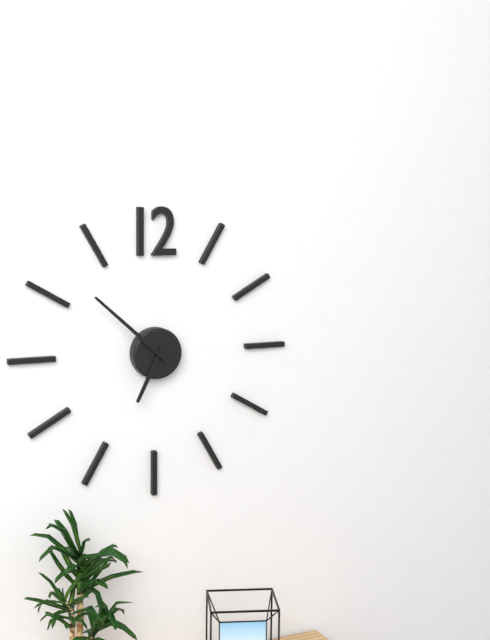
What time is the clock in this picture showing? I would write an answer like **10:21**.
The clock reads **6:52**
